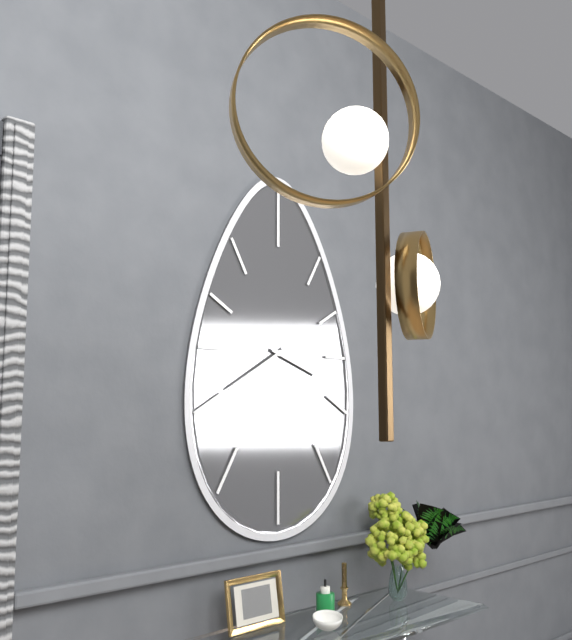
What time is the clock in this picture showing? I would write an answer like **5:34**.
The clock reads **3:40**
